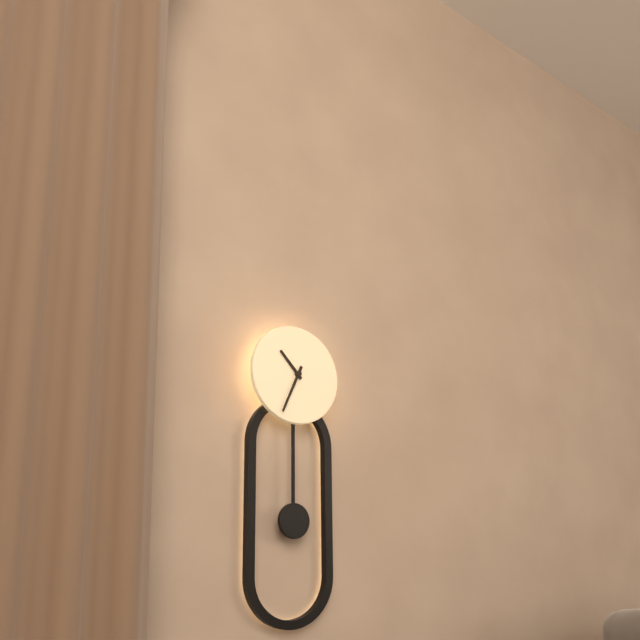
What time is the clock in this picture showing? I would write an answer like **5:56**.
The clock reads **10:34**
